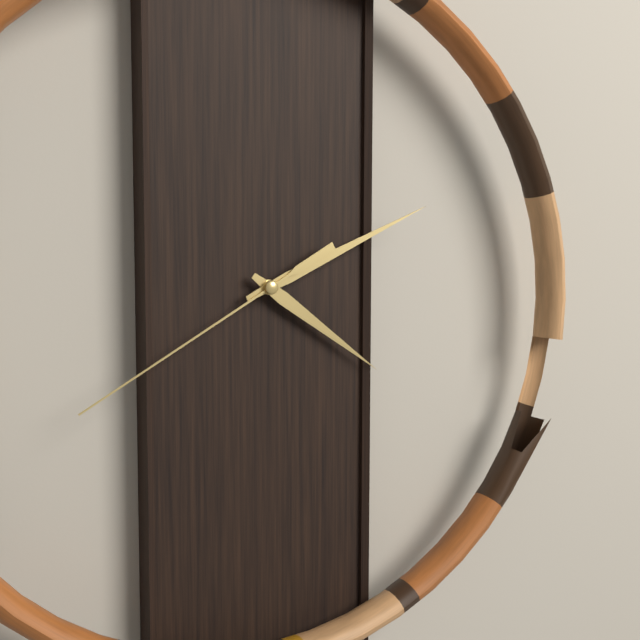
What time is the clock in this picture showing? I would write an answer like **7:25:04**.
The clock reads **4:11:40**
